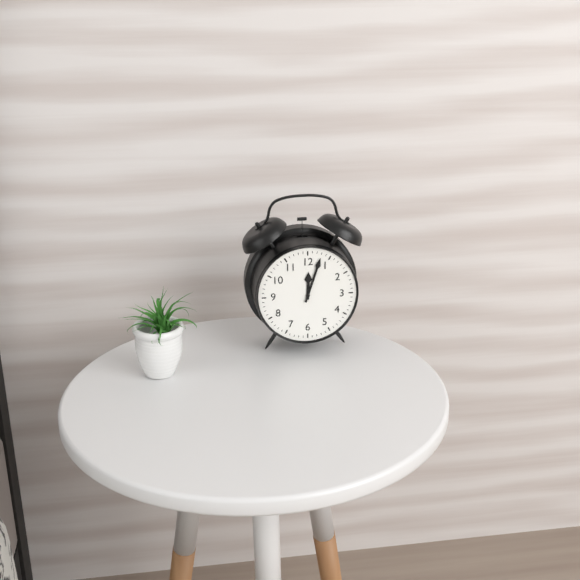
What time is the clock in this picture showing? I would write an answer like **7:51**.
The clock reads **12:03**
